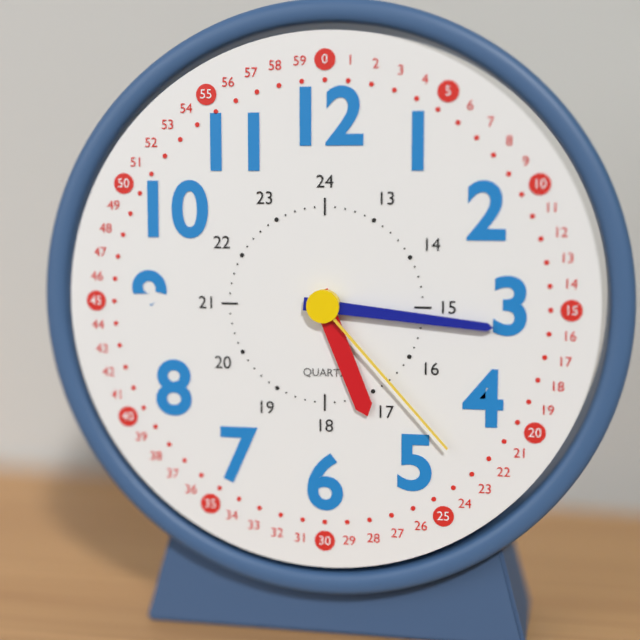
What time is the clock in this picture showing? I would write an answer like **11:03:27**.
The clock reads **5:16:23**
